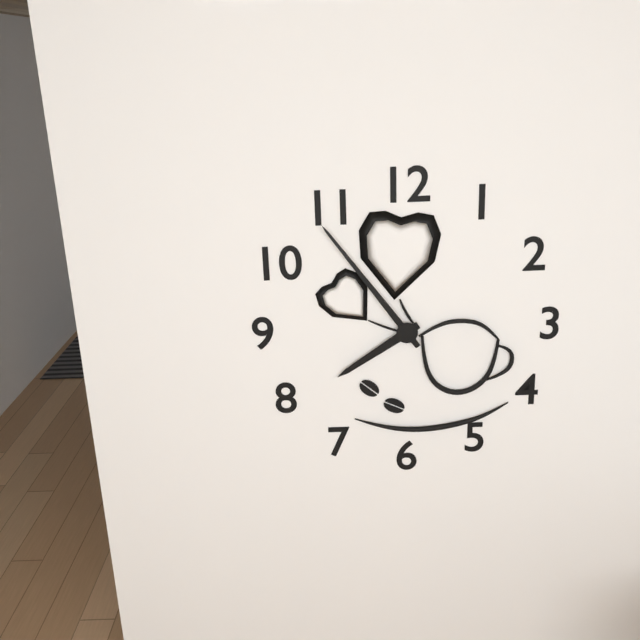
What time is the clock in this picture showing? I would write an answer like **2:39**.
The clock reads **7:54**
